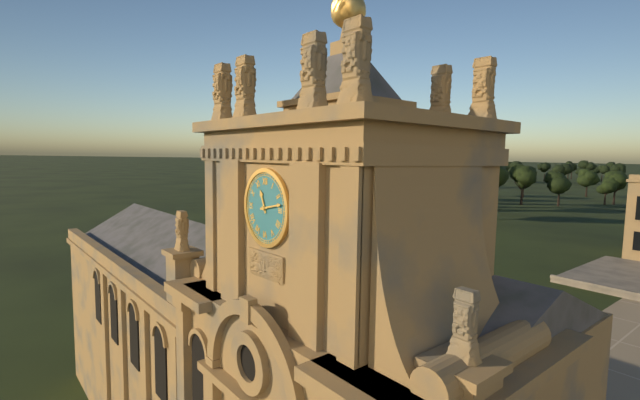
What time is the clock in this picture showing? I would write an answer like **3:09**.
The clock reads **11:13**
